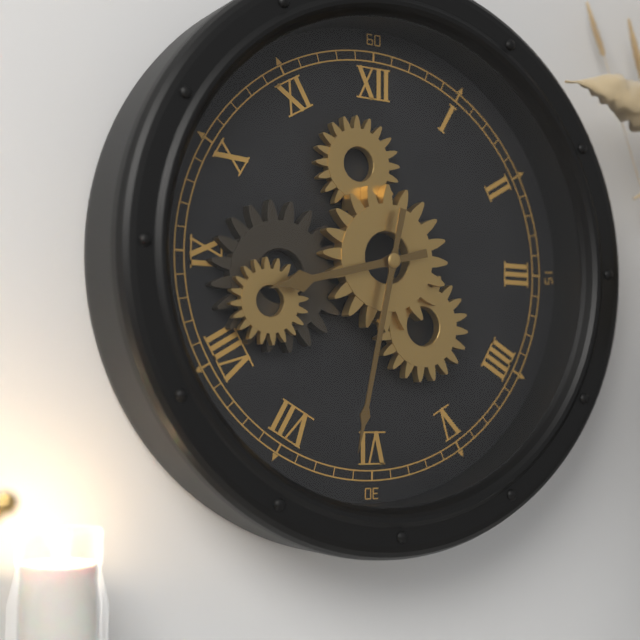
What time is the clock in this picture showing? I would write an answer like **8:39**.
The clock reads **8:32**
